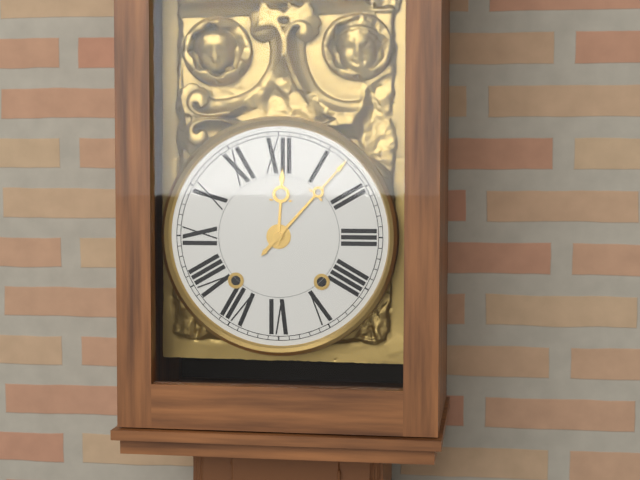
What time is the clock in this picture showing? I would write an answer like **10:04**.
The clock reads **12:07**
